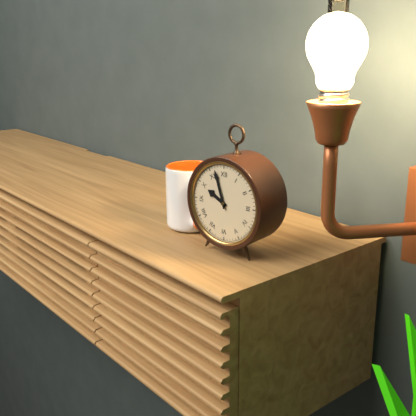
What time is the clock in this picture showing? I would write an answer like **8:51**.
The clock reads **9:57**
